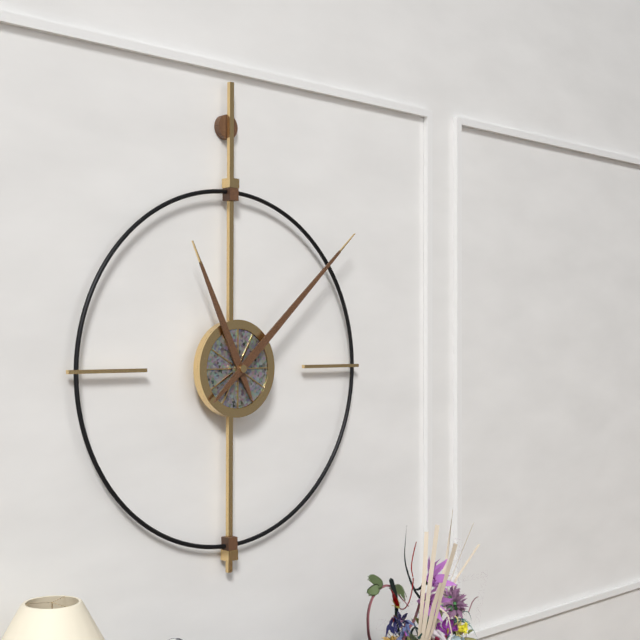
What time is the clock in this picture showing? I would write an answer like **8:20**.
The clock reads **11:08**
